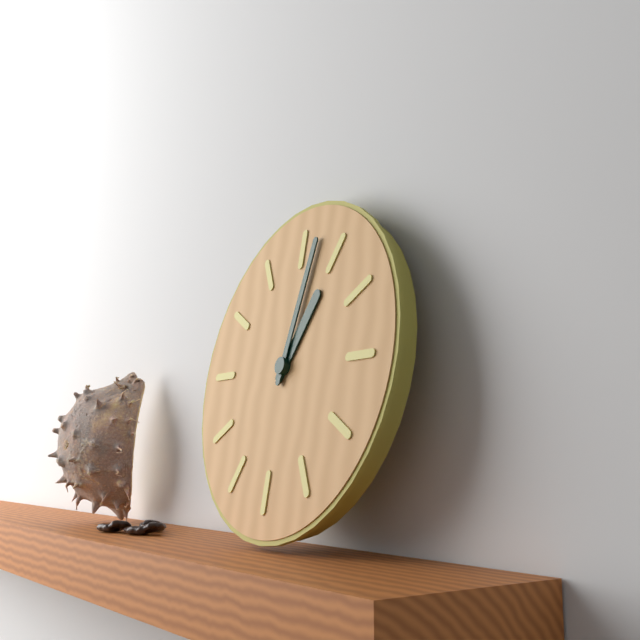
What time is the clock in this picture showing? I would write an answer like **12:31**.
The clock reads **1:02**
